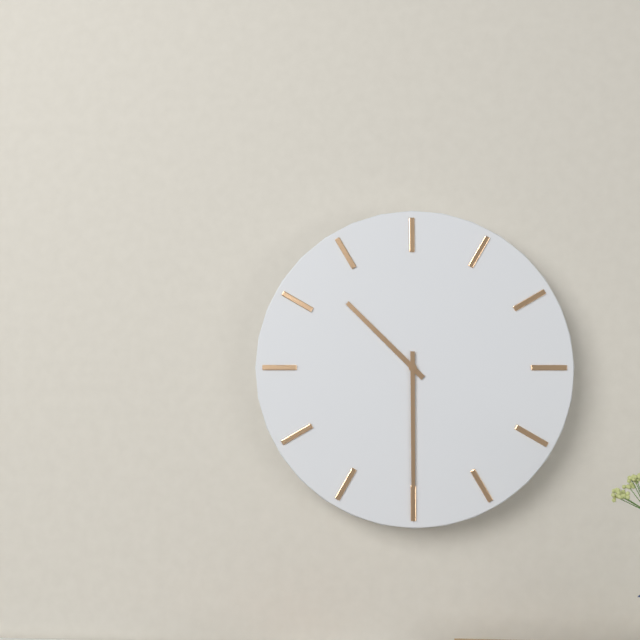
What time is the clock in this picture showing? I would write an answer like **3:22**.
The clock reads **10:30**
